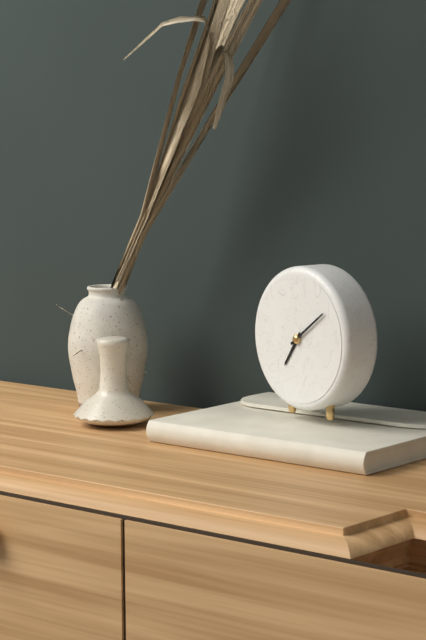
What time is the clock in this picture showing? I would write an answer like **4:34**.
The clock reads **7:09**
